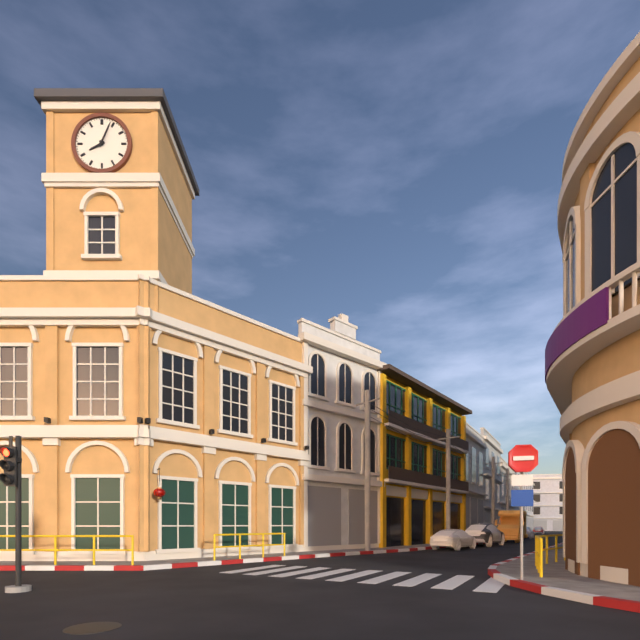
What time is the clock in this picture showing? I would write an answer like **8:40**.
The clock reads **8:04**
